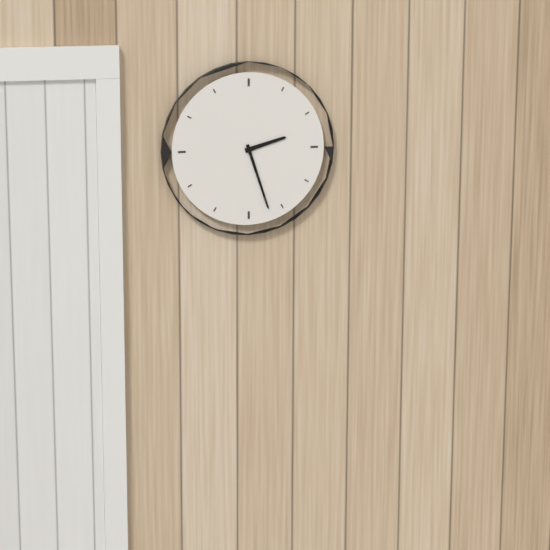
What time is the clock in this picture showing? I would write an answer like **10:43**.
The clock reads **2:27**
